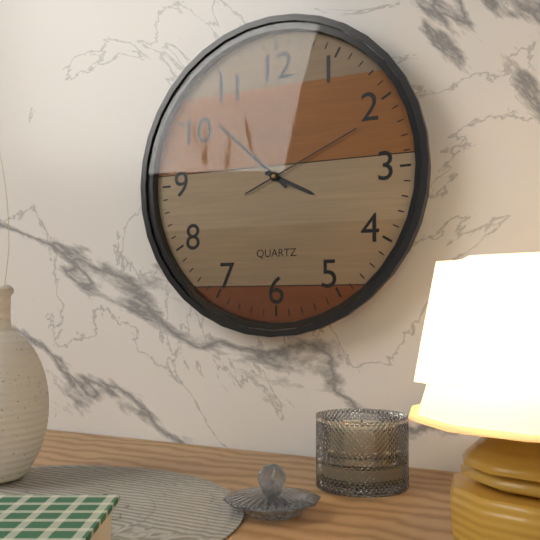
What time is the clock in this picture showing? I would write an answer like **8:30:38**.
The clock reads **3:52:11**
